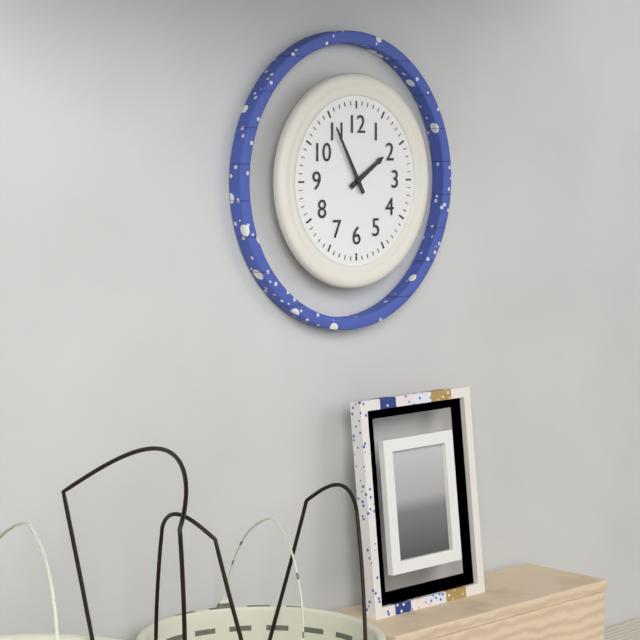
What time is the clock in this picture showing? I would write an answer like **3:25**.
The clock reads **1:55**
